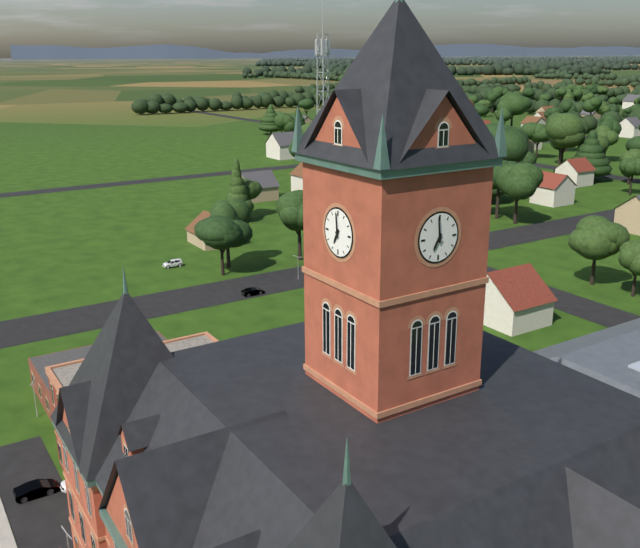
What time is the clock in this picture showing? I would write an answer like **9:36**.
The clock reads **6:59**
